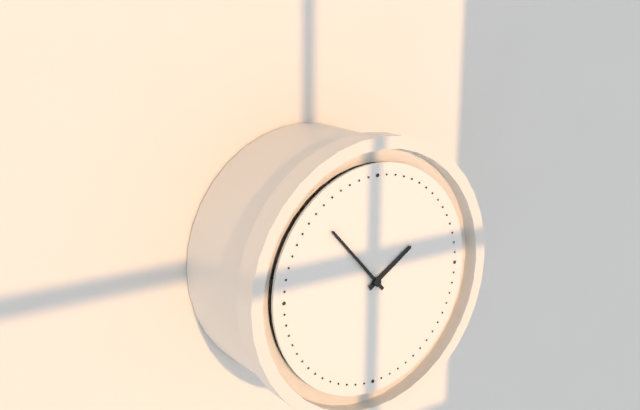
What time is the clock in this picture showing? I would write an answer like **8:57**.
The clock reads **1:53**
